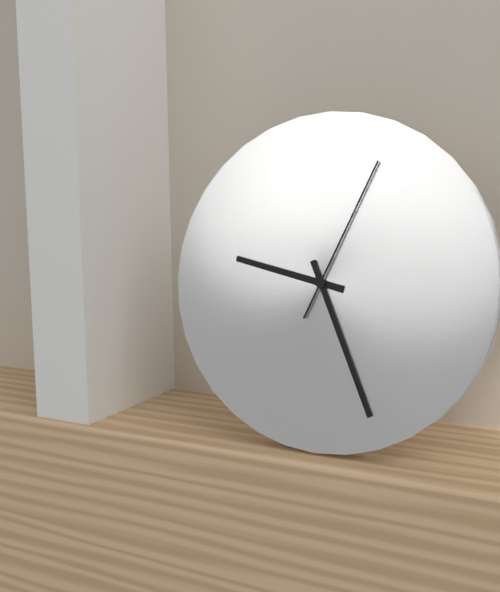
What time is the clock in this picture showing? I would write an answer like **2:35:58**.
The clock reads **9:26:04**
